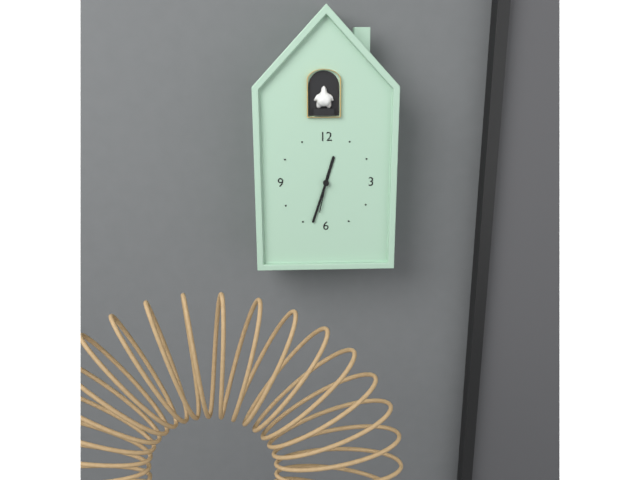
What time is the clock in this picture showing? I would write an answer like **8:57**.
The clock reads **12:33**
